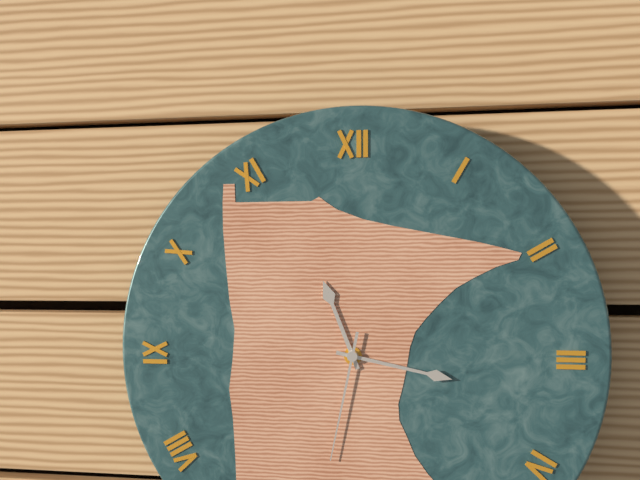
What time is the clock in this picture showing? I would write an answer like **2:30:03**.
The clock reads **11:17:32**
